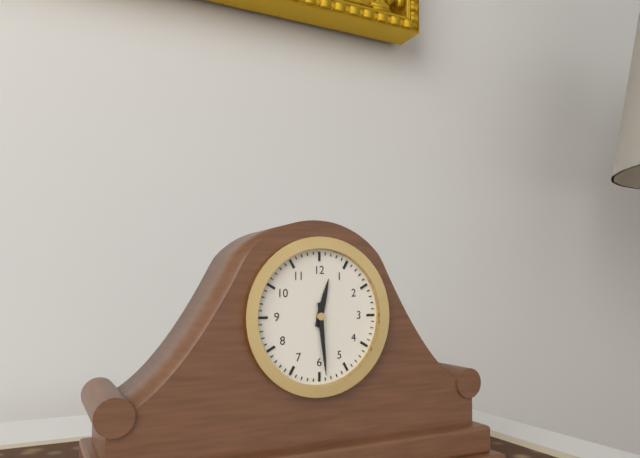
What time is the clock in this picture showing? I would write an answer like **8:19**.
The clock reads **12:29**
